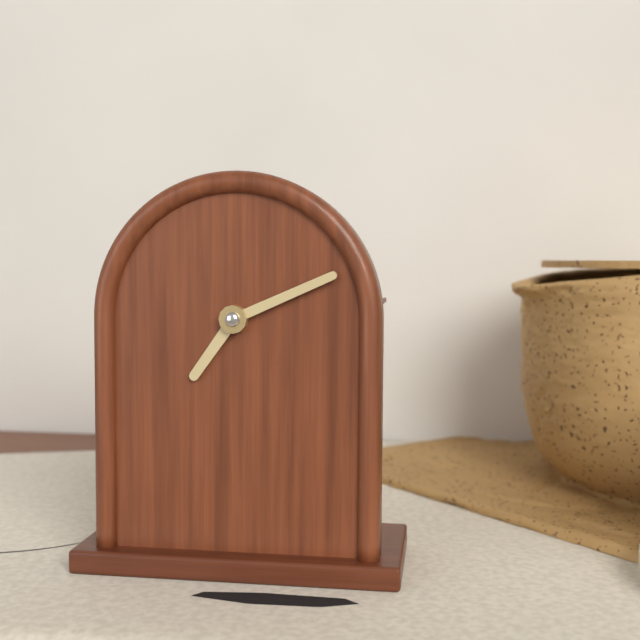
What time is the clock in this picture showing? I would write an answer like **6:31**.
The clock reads **7:11**
